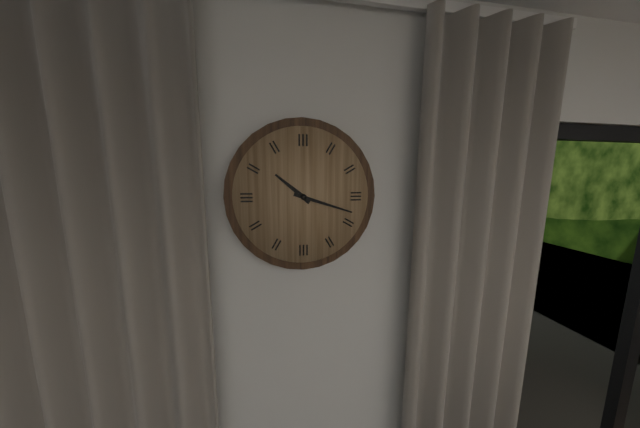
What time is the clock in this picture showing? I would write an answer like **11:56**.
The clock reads **10:18**
